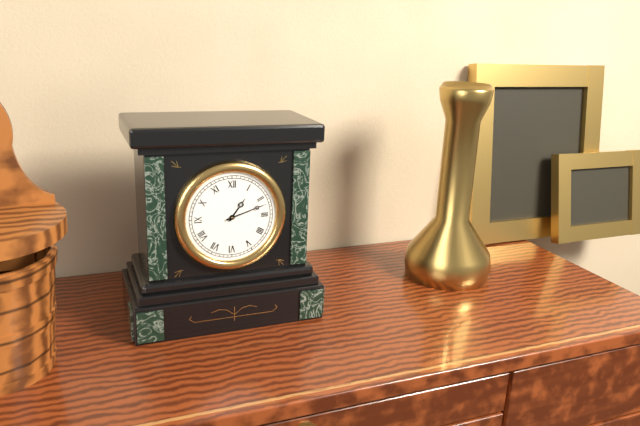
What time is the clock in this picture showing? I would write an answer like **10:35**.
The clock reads **1:12**
